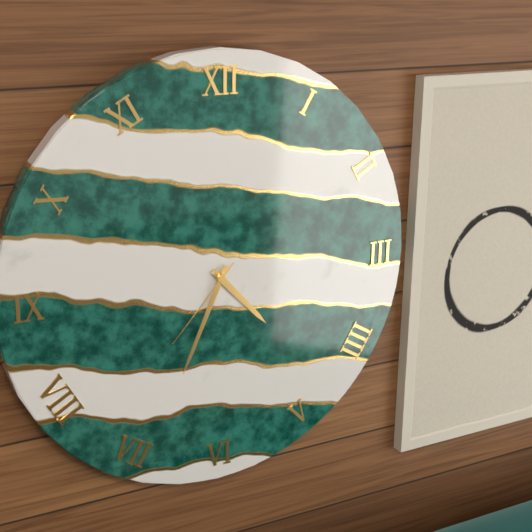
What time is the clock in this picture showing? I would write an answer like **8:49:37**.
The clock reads **4:34:37**
